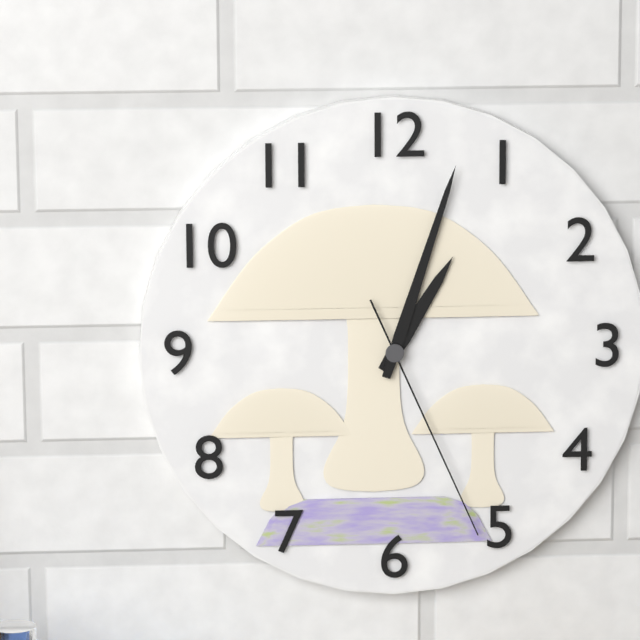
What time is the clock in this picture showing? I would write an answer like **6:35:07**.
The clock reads **1:03:26**
